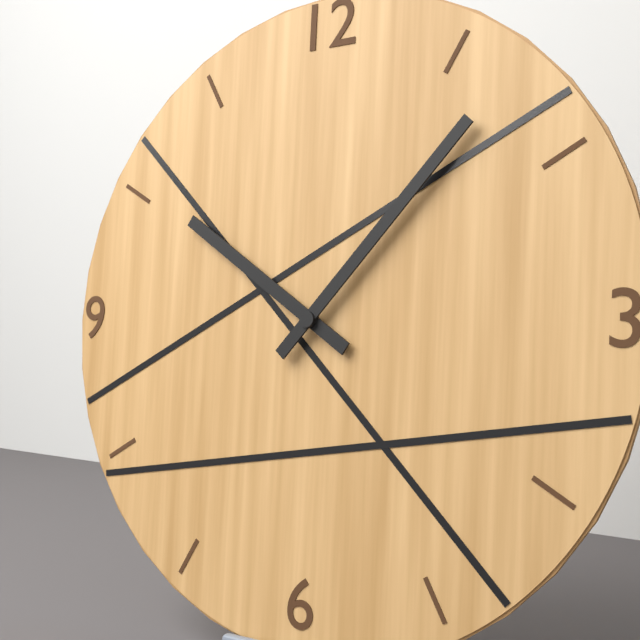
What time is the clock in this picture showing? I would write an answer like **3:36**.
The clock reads **10:07**
